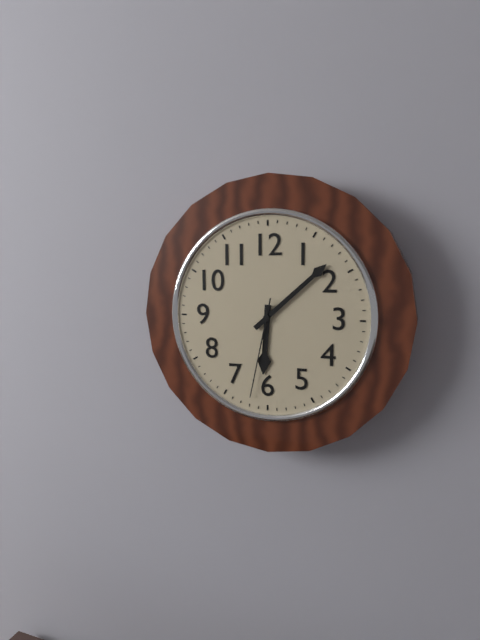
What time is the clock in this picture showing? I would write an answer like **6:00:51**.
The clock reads **6:08:32**
